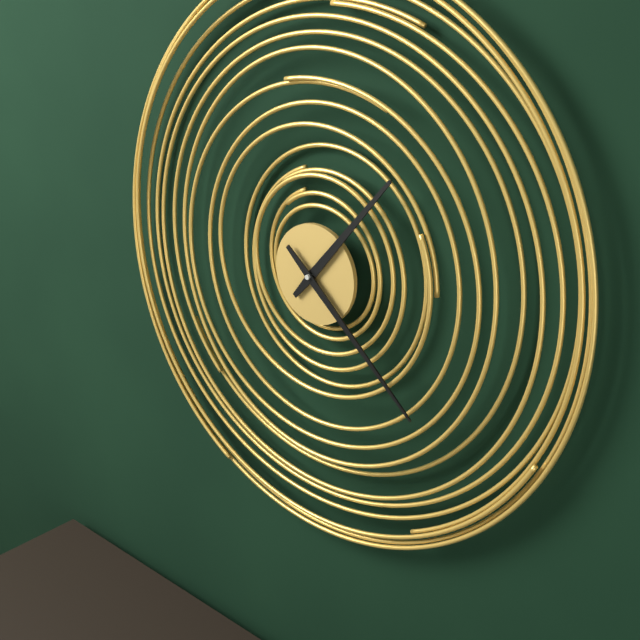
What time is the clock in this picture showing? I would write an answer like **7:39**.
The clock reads **1:22**
